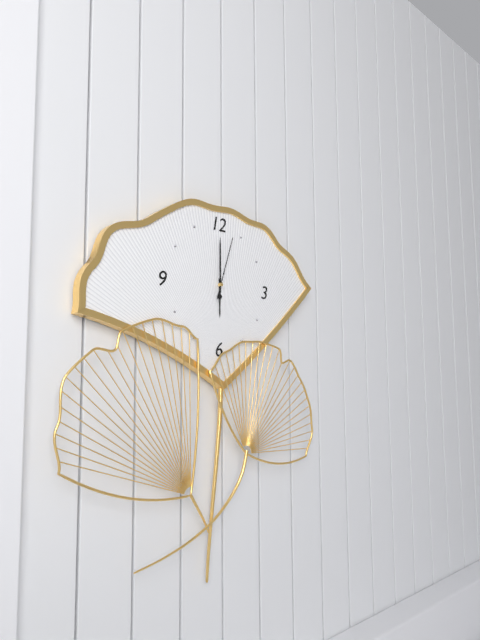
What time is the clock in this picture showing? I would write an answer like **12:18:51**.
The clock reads **6:00:03**
